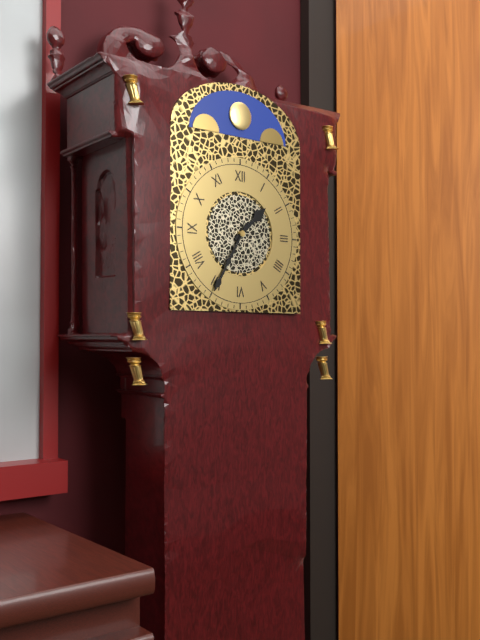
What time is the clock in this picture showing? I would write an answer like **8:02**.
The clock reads **1:35**
